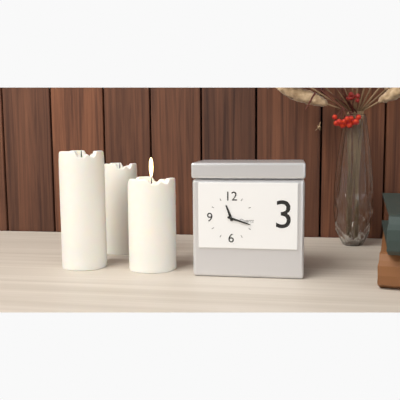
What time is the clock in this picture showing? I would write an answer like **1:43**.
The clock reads **11:18**
